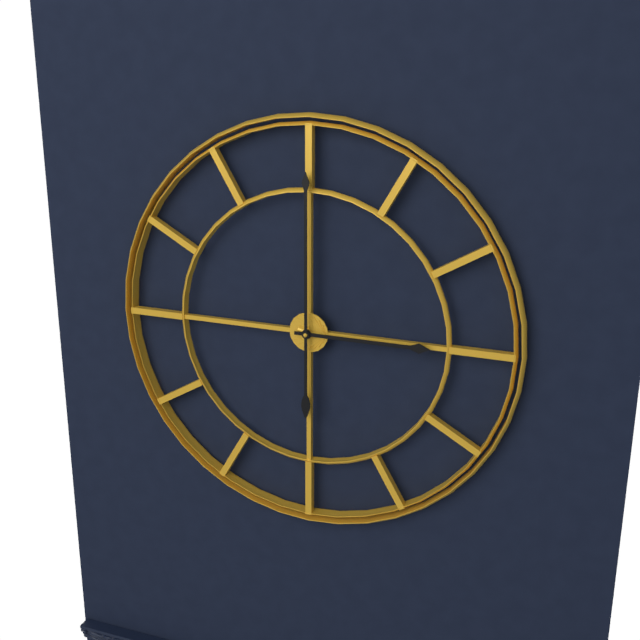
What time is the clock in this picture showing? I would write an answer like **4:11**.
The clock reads **3:00**
